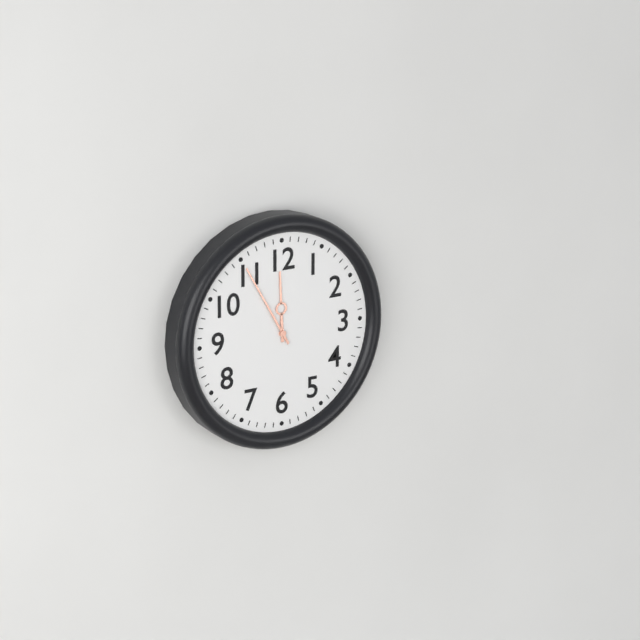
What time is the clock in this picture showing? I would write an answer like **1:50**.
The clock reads **11:55**
